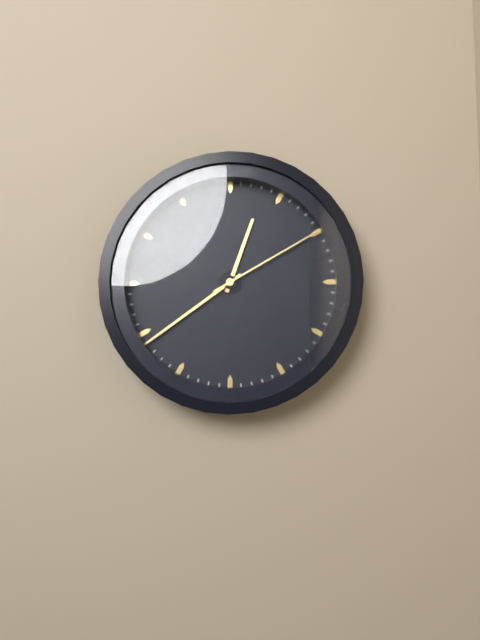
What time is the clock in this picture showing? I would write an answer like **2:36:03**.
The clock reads **12:39:10**
